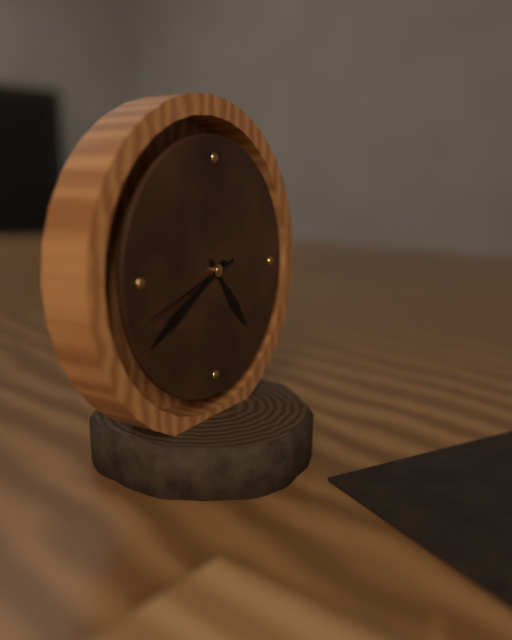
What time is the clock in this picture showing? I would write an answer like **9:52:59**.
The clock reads **4:40:42**
